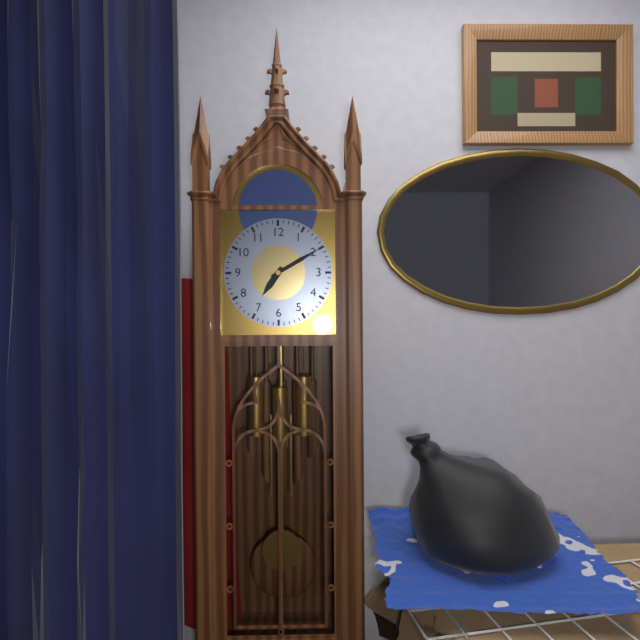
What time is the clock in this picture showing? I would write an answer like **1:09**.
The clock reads **7:10**
